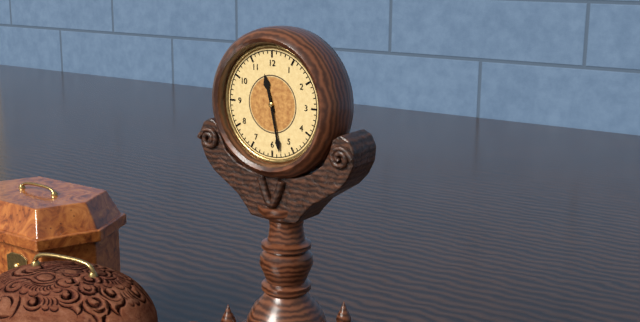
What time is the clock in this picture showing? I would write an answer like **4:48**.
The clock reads **11:28**
